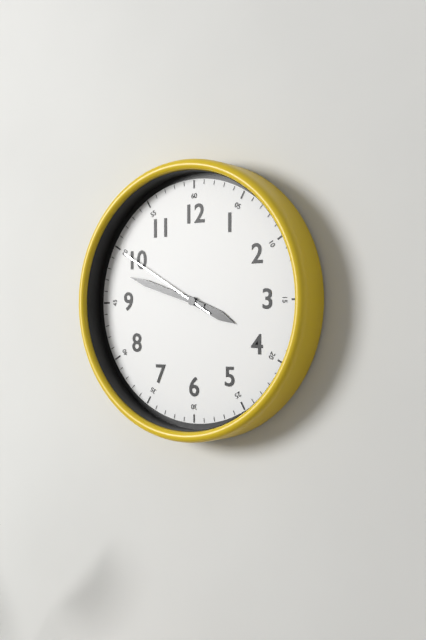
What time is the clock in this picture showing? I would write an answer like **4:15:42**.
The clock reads **3:48:50**
